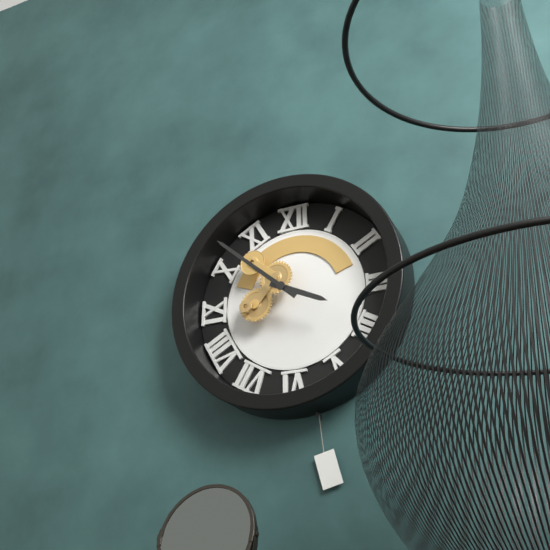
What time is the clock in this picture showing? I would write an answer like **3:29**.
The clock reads **3:52**
